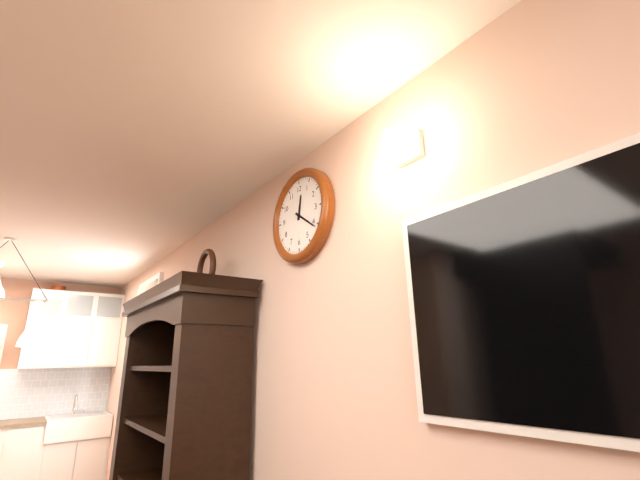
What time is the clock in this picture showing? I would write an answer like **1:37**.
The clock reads **12:21**
